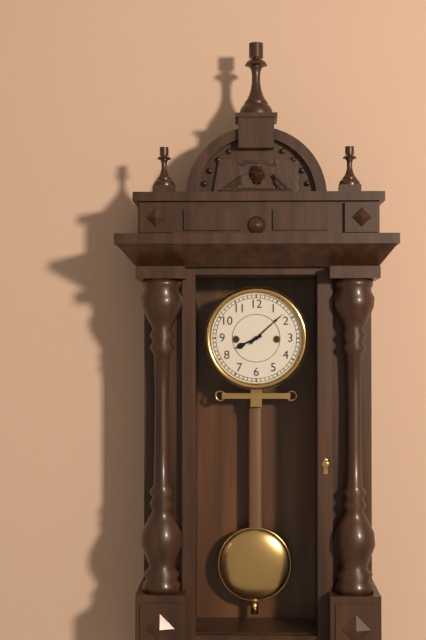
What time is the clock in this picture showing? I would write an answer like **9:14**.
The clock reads **8:08**
